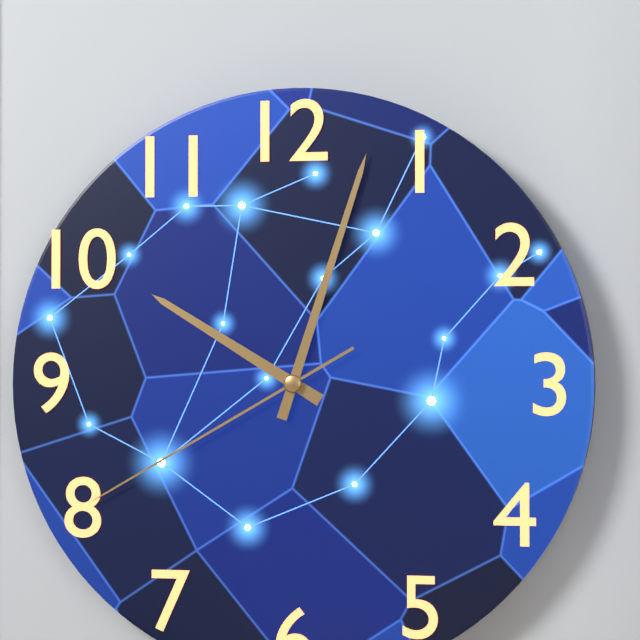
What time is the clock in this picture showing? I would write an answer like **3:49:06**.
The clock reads **10:03:40**
